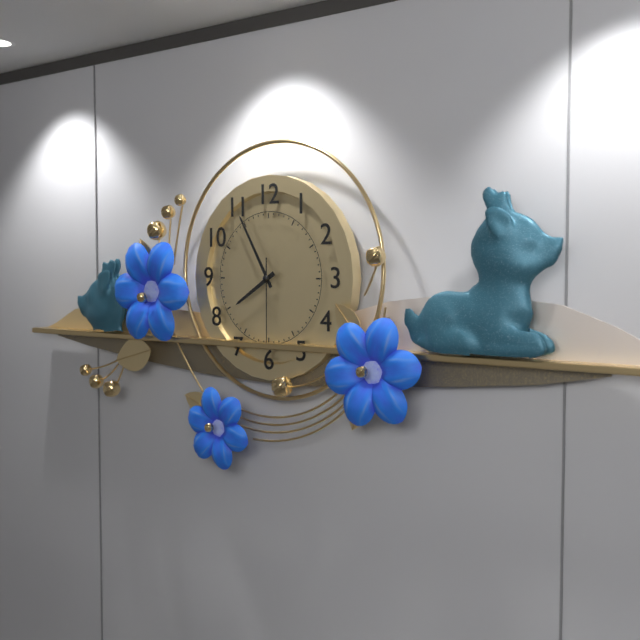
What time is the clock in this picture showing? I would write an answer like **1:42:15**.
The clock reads **7:55:30**
